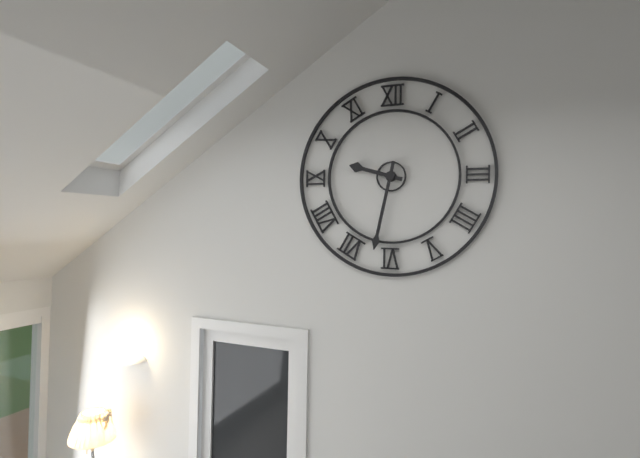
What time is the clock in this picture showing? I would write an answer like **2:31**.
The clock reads **9:32**
